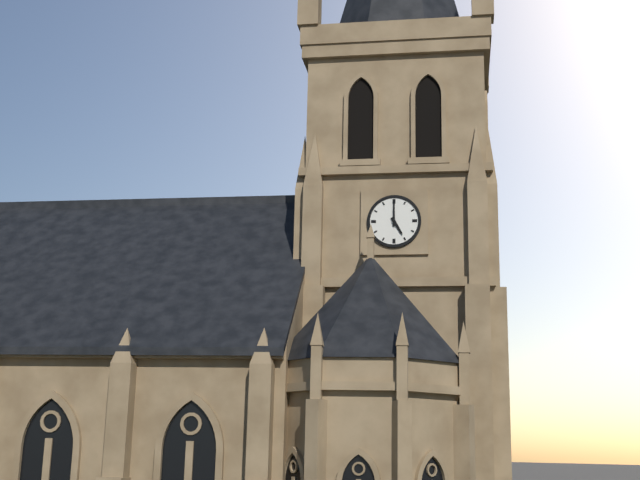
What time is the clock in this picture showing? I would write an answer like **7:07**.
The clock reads **5:00**
